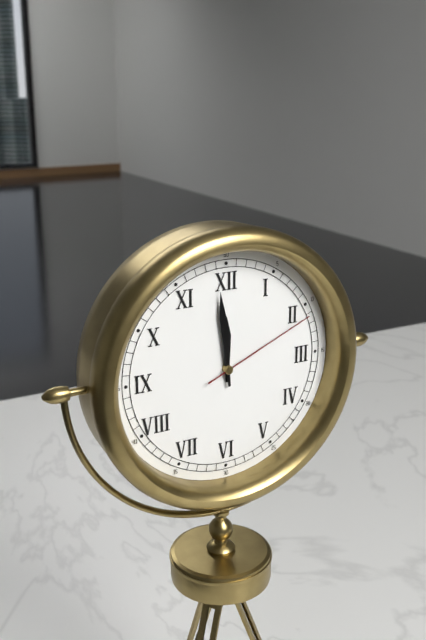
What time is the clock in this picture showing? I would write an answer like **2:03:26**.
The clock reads **11:59:11**
